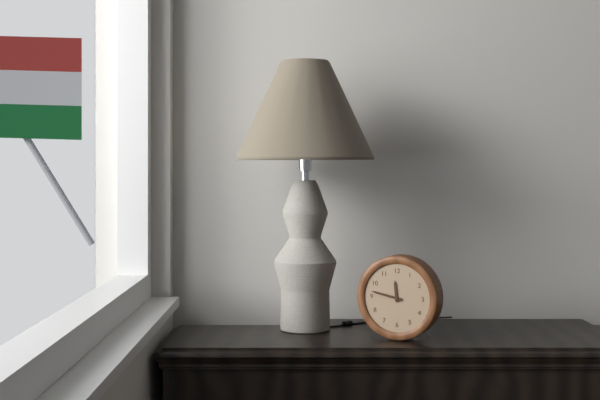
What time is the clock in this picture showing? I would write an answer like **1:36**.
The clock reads **11:47**
